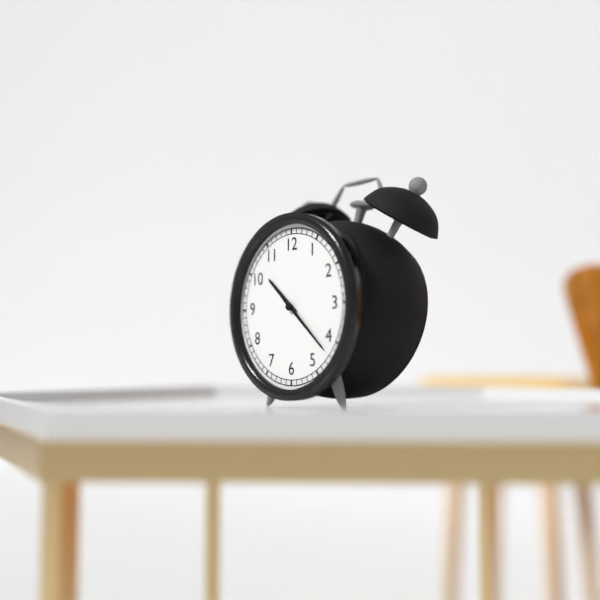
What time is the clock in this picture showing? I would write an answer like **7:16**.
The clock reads **10:22**
